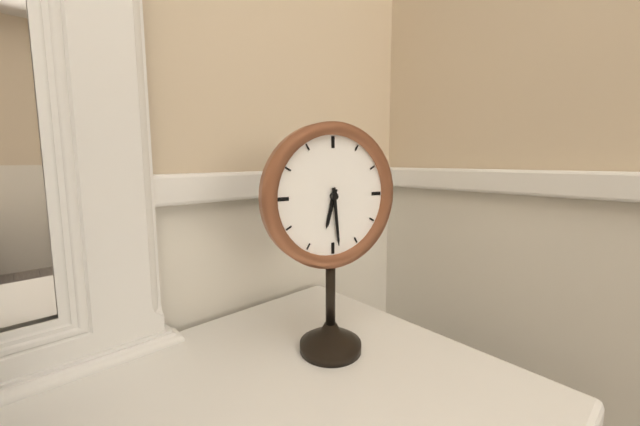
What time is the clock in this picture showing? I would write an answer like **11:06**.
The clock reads **6:29**
